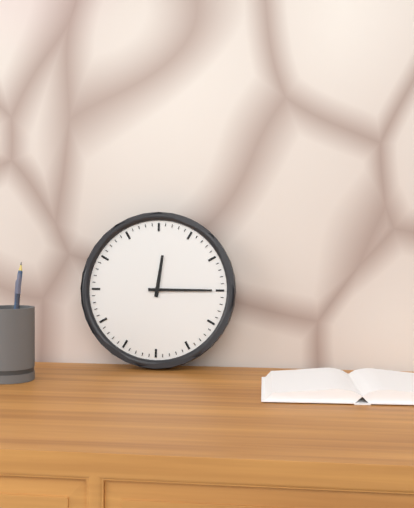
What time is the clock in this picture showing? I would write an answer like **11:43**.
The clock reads **12:15**
